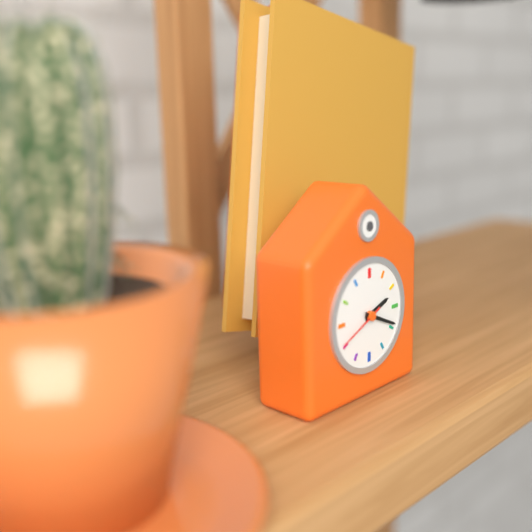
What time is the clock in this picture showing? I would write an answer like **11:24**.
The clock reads **2:19**
